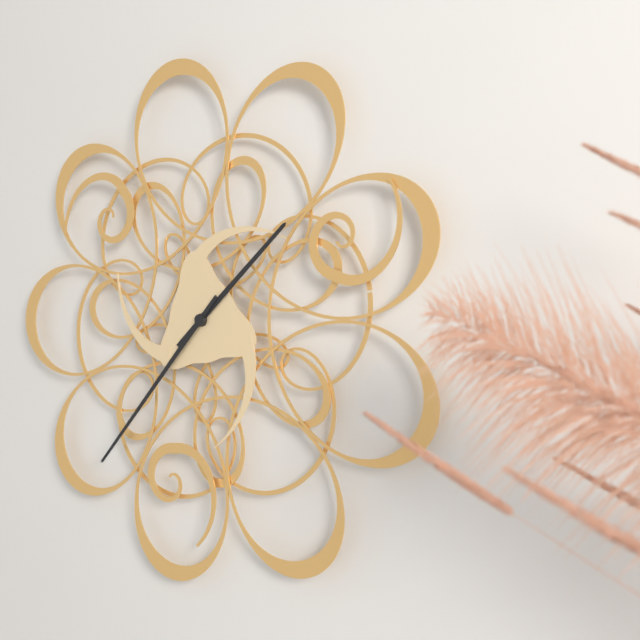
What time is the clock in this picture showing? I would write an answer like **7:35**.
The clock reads **1:37**
